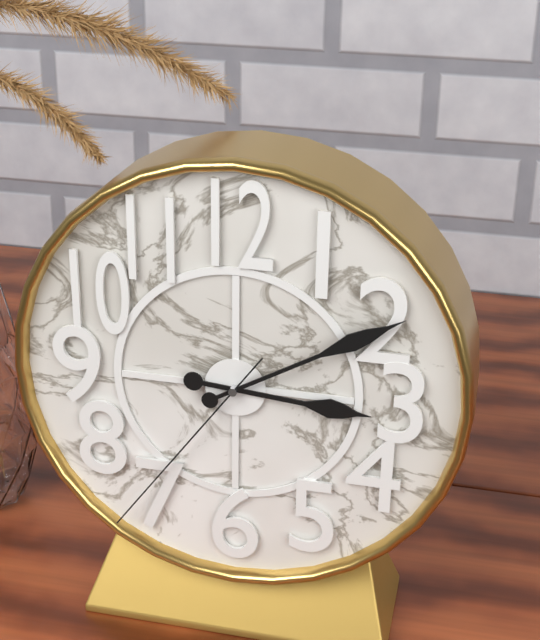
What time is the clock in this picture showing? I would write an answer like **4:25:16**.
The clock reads **3:10:36**
